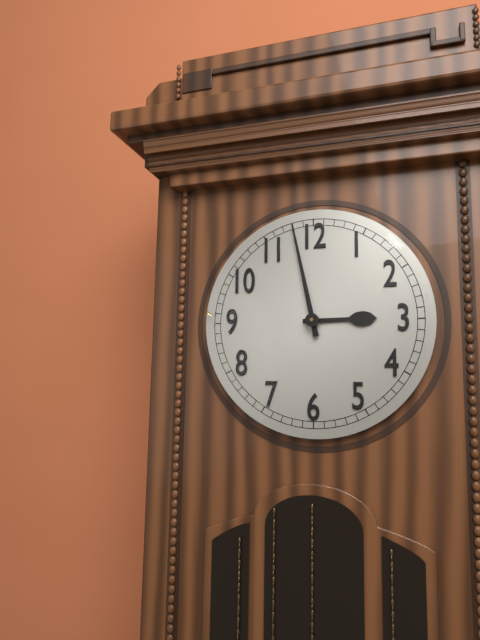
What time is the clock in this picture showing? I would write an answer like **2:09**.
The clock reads **2:58**
